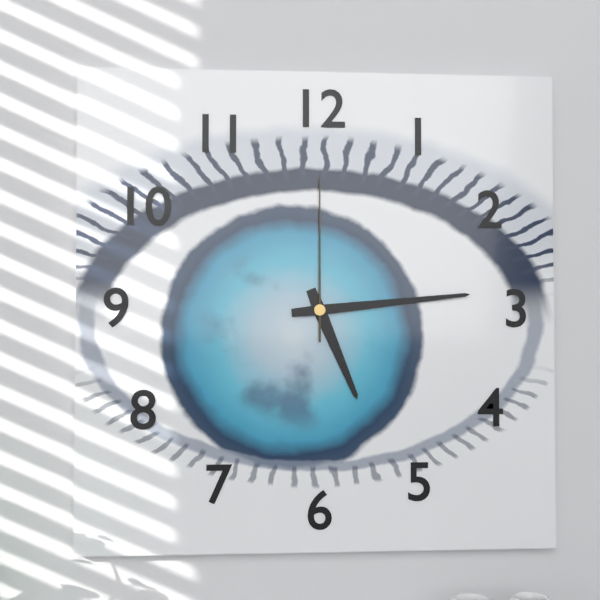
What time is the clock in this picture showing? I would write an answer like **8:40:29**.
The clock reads **5:14:00**
